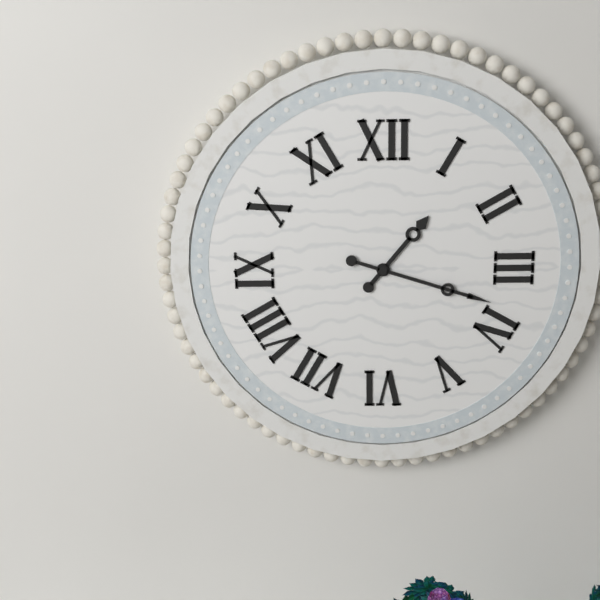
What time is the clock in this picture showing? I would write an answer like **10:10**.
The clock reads **1:18**
